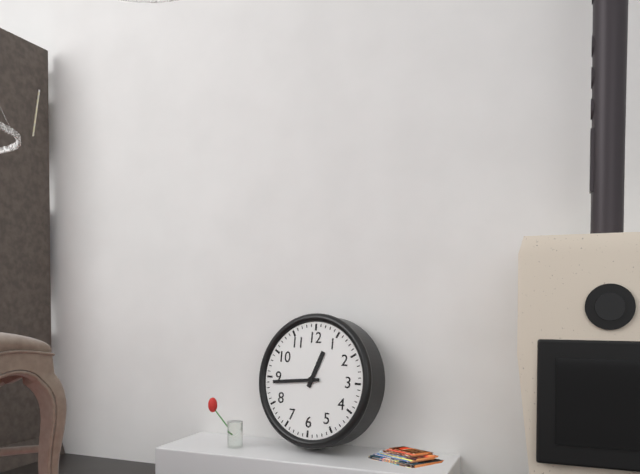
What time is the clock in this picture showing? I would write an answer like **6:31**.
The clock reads **12:44**
